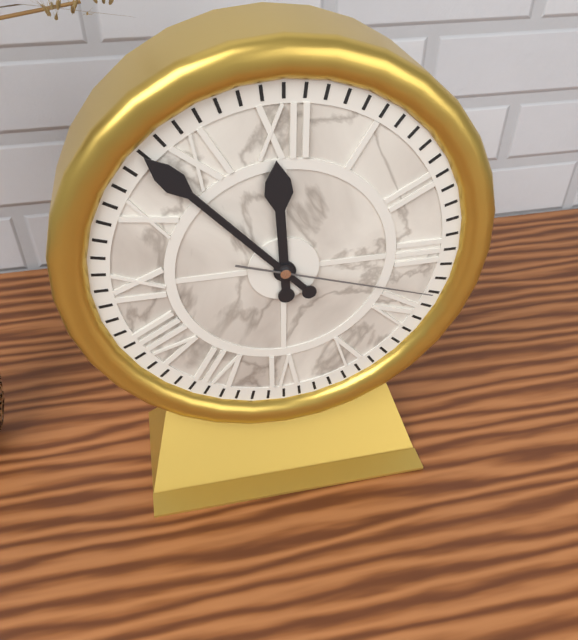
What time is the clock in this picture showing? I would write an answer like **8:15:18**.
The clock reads **11:53:18**
